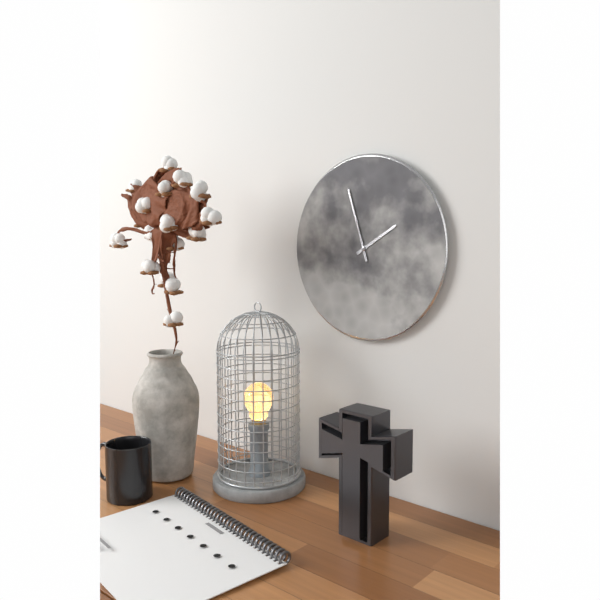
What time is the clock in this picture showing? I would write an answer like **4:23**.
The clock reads **1:57**
